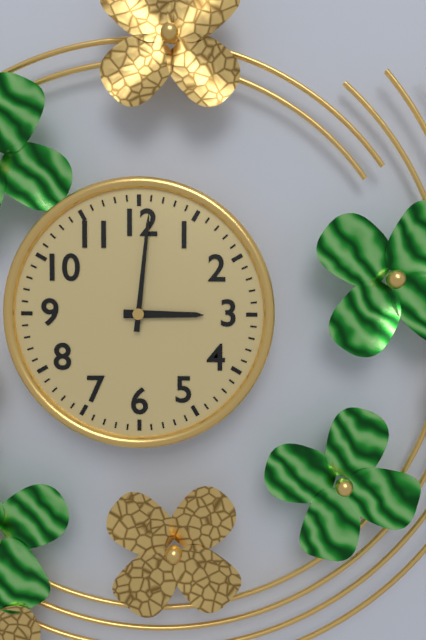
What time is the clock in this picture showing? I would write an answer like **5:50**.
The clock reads **3:01**
